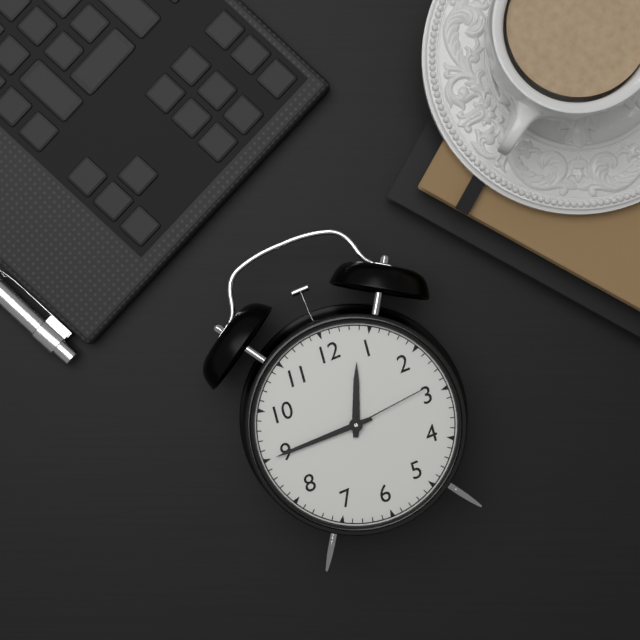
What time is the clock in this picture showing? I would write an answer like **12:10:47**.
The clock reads **12:45:14**
